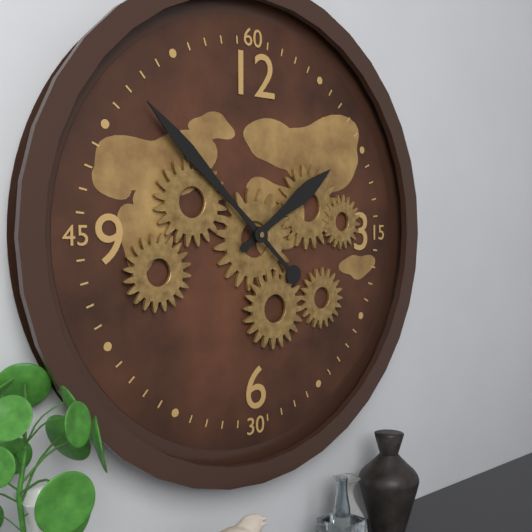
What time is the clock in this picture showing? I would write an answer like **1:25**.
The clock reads **1:52**
